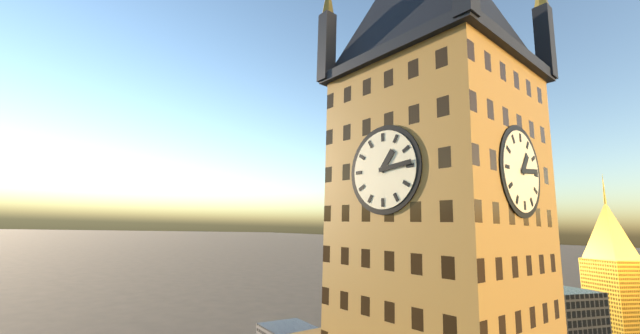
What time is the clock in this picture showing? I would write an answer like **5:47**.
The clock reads **1:14**
